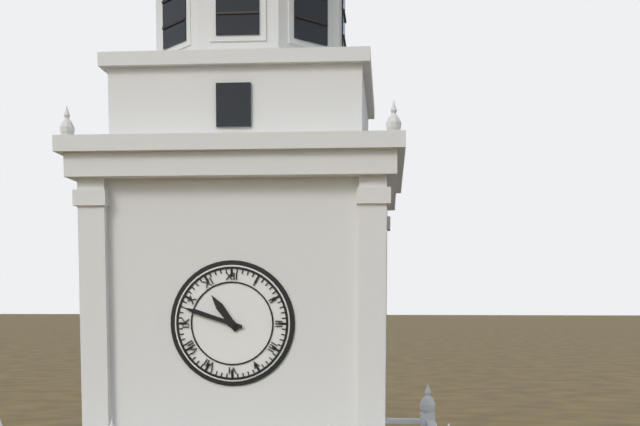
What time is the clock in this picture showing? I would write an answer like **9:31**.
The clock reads **10:48**
